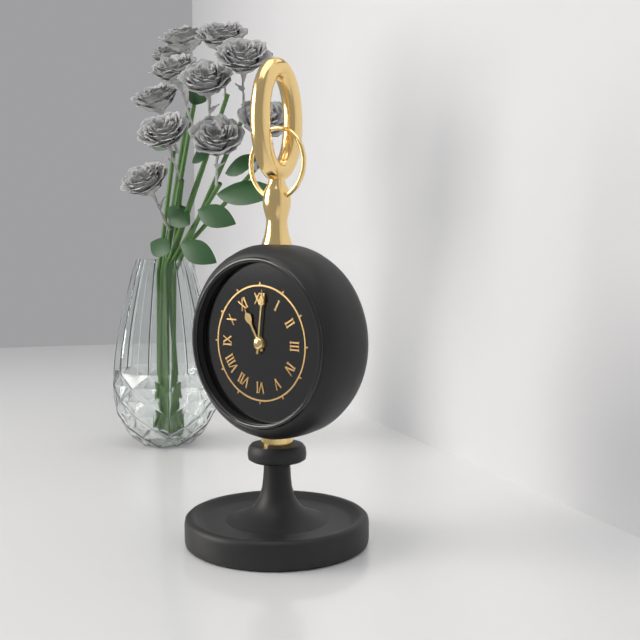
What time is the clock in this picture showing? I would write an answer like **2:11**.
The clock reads **11:01**
